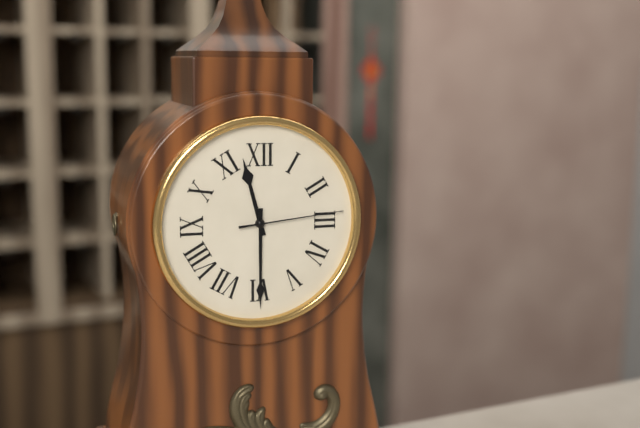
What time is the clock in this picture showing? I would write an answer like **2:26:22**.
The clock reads **11:30:14**
